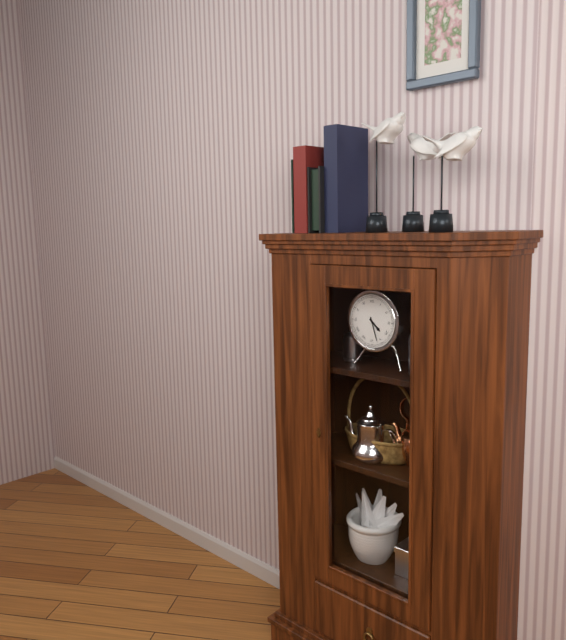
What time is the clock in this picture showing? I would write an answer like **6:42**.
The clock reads **4:27**
